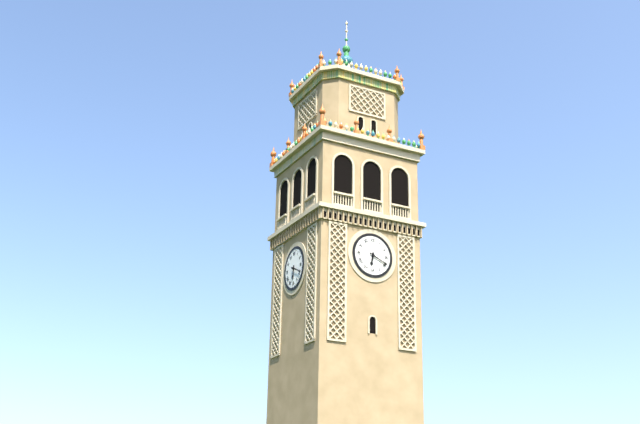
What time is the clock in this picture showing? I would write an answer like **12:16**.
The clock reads **6:19**
